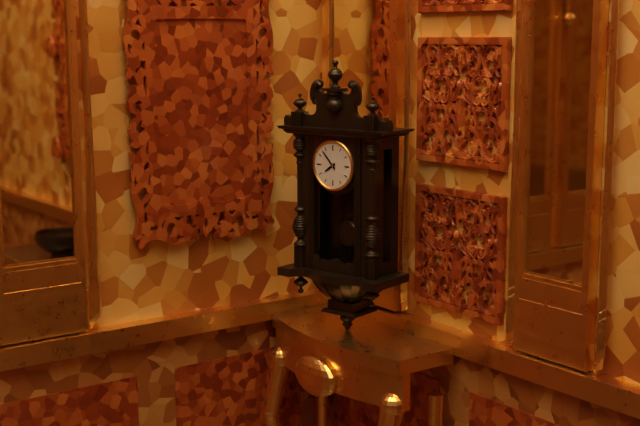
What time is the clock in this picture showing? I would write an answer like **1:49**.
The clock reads **7:53**
